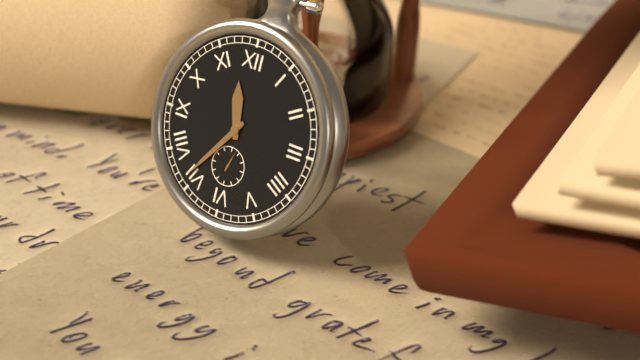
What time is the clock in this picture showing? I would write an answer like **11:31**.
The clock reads **11:36**
